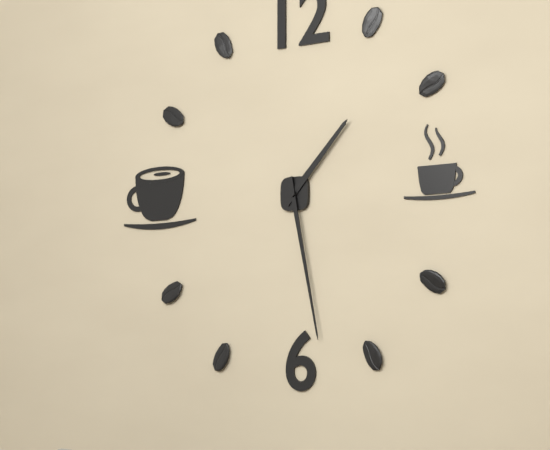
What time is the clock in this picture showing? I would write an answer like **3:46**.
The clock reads **1:28**
